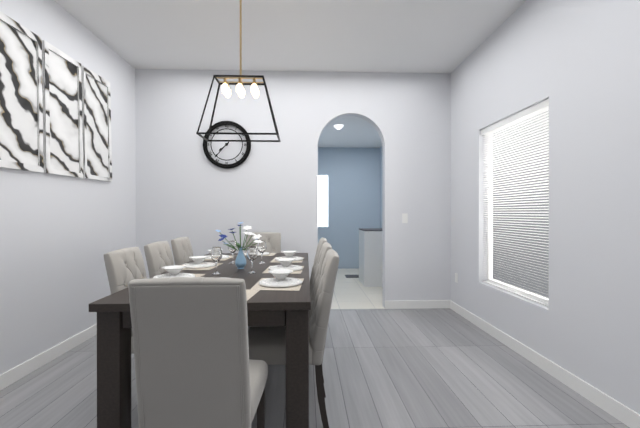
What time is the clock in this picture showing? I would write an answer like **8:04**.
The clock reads **7:37**
